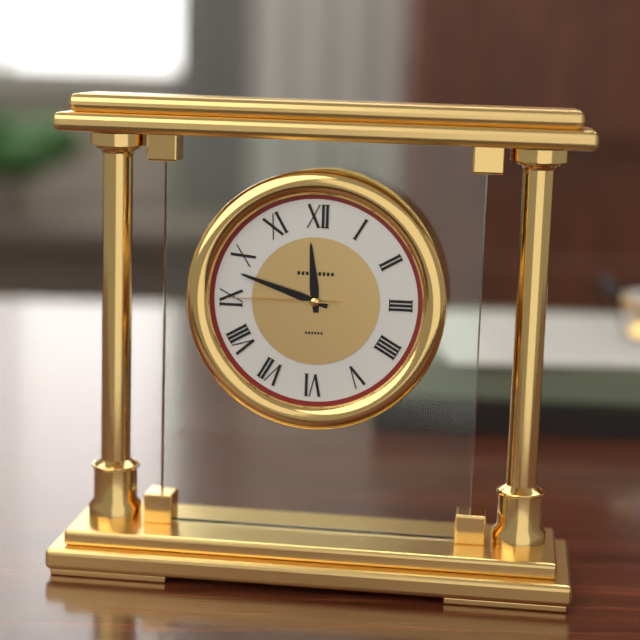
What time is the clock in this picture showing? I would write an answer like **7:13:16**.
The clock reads **11:48:45**
